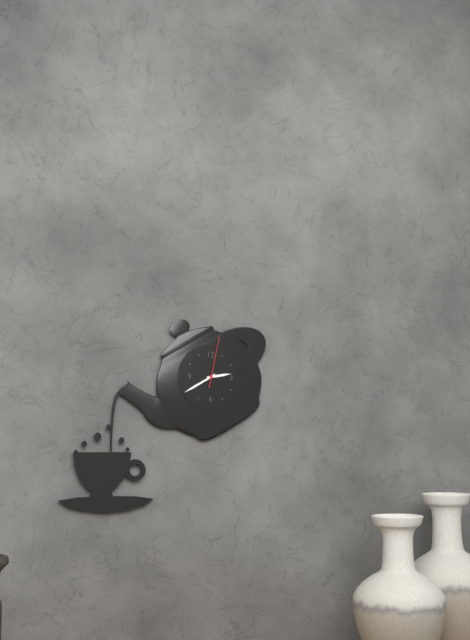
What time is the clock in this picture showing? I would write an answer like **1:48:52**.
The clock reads **2:40:02**
